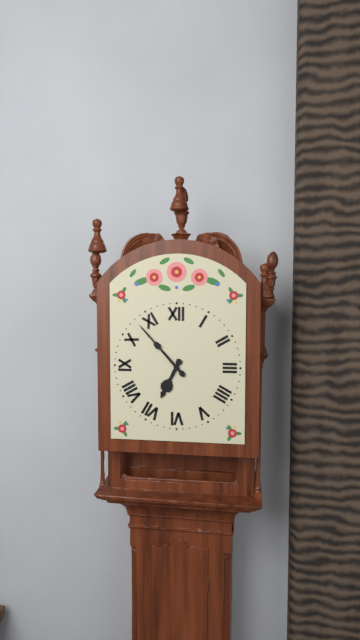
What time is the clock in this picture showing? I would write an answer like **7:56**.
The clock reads **6:53**
